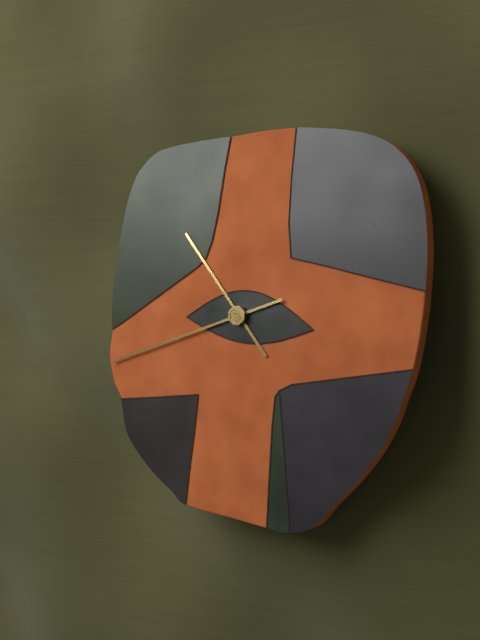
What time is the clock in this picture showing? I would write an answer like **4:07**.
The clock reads **10:42**
